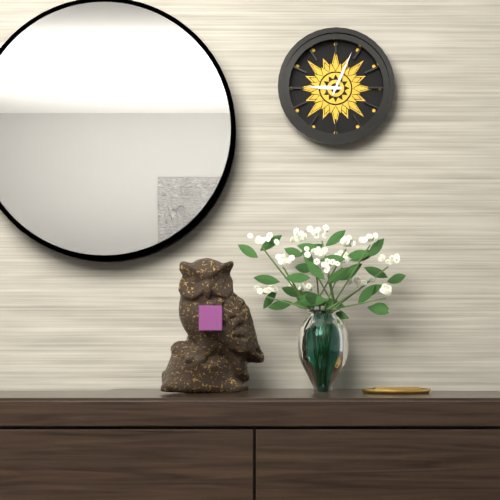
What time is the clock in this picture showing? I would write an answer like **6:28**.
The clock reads **9:04**
